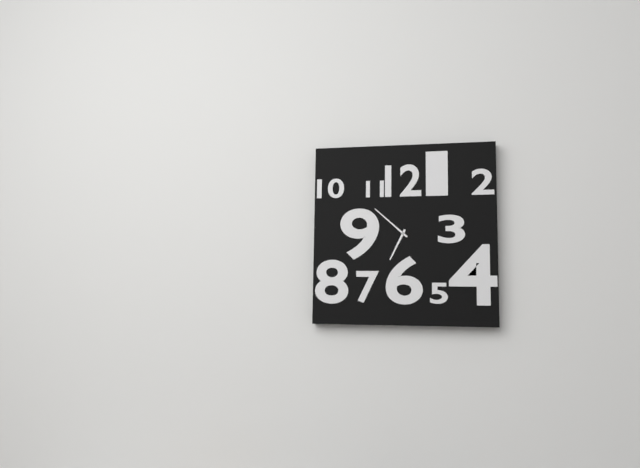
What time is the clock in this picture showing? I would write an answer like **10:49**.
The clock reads **6:52**
